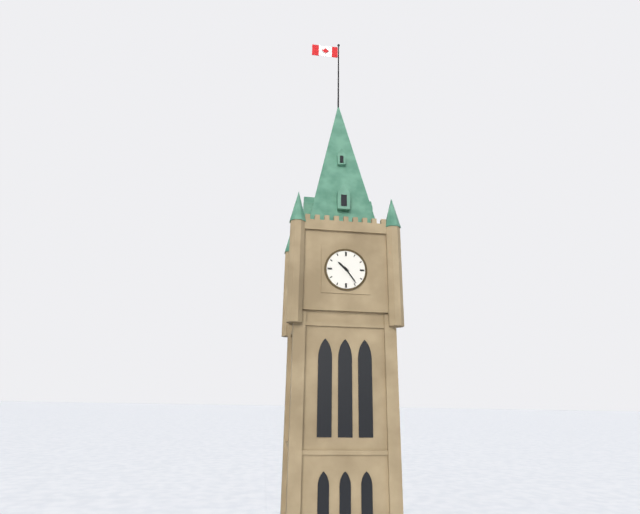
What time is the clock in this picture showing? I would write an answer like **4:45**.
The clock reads **10:24**
